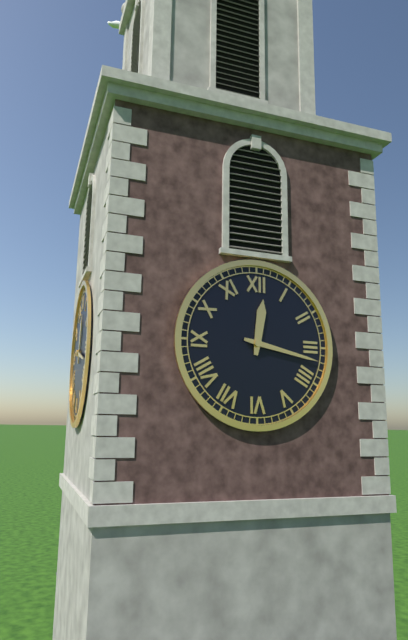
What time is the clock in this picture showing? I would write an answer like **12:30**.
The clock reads **12:17**
